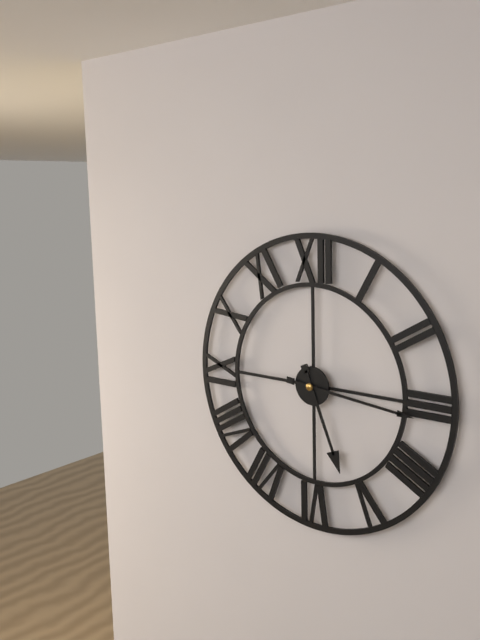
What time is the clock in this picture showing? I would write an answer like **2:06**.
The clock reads **5:16**
